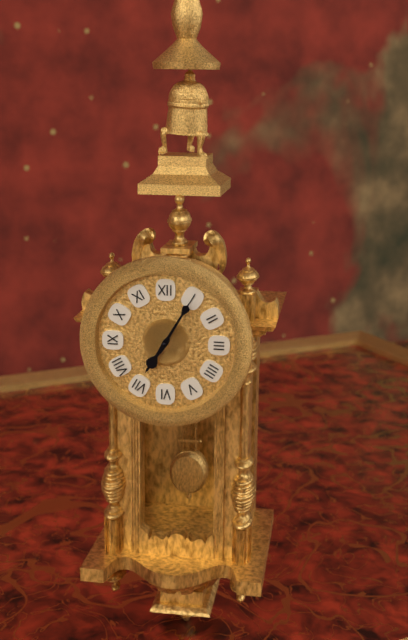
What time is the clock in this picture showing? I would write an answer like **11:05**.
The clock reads **7:05**
